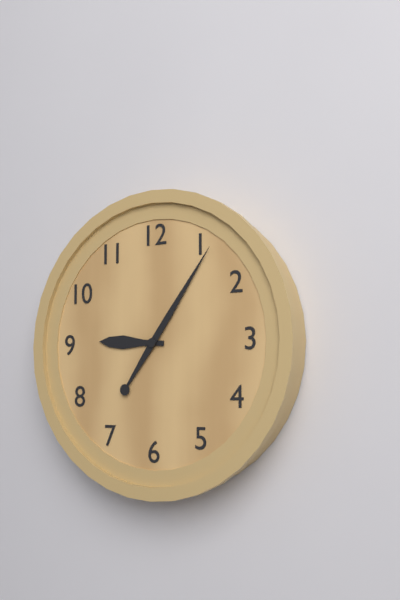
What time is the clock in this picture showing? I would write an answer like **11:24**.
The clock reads **9:06**
